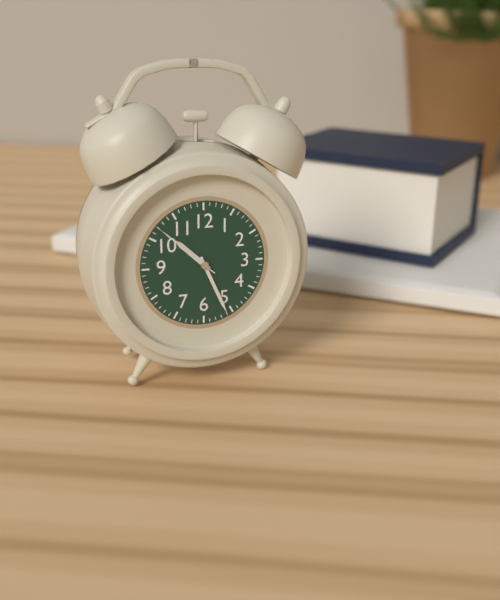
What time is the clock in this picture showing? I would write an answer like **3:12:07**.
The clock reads **10:26:52**
